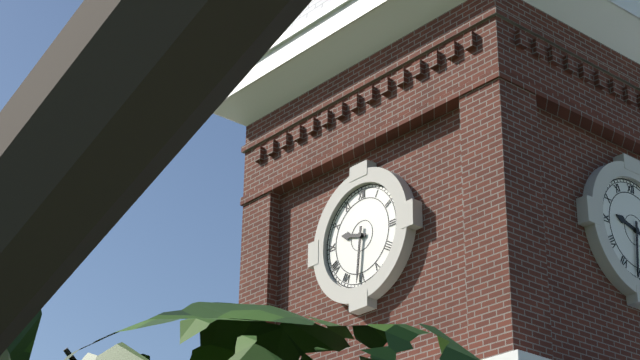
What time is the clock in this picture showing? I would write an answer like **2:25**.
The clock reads **9:31**
